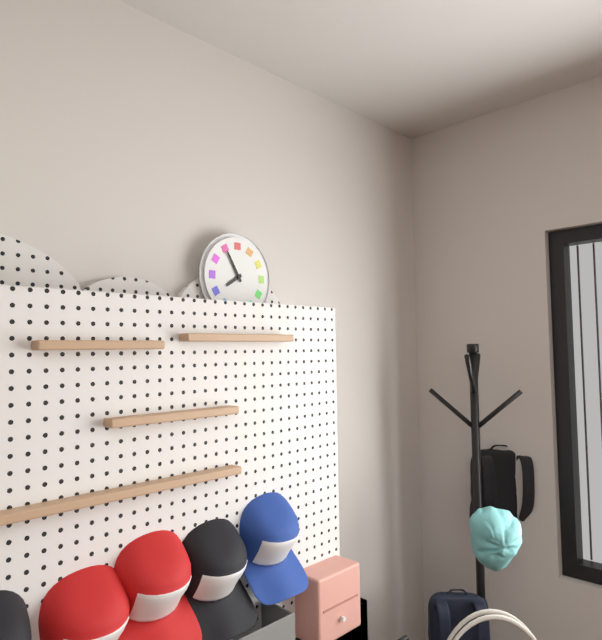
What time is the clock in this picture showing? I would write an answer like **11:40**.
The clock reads **7:55**
